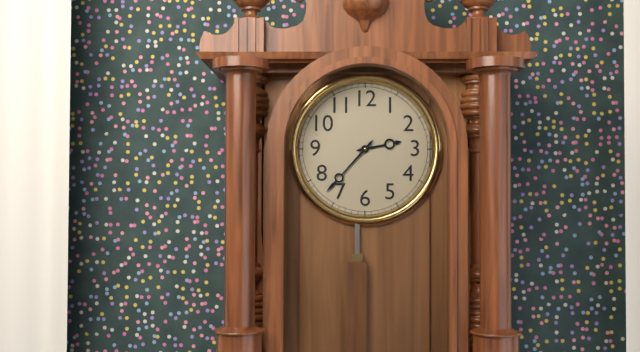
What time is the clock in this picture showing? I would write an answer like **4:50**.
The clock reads **2:37**
